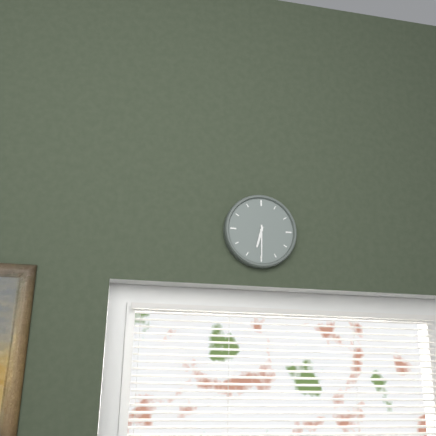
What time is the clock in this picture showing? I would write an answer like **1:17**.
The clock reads **6:30**
